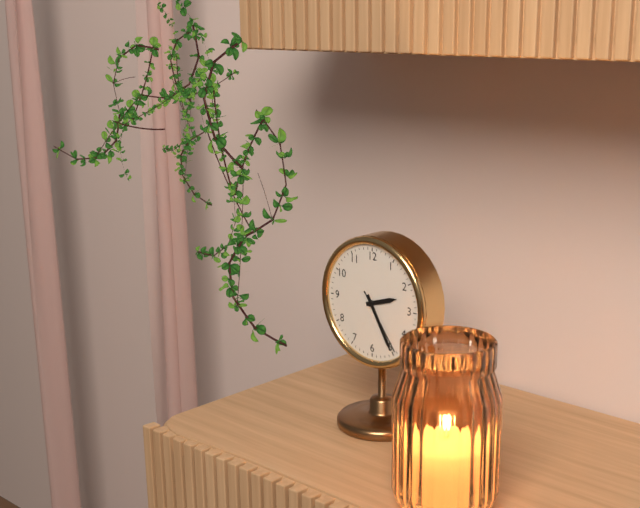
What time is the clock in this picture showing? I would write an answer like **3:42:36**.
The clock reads **2:25:24**
